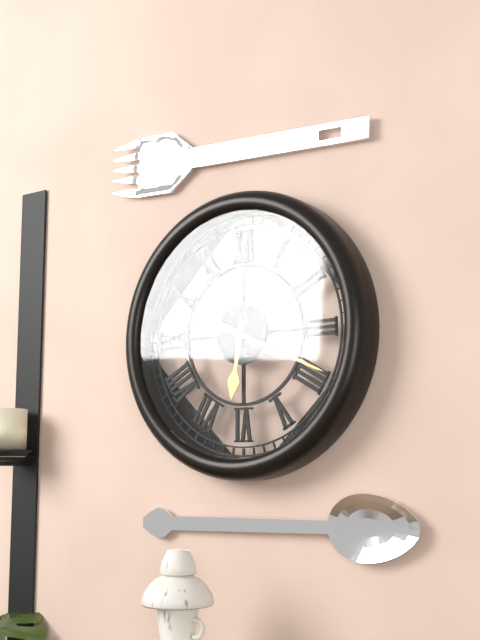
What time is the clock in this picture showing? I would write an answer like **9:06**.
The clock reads **6:19**
